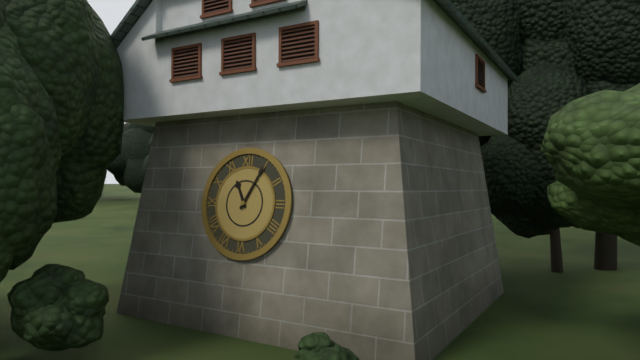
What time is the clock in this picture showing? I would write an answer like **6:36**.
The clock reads **11:05**
